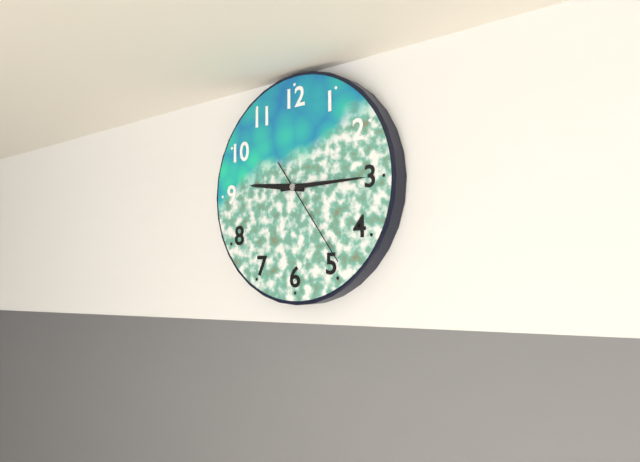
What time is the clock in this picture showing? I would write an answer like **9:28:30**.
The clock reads **9:15:24**
